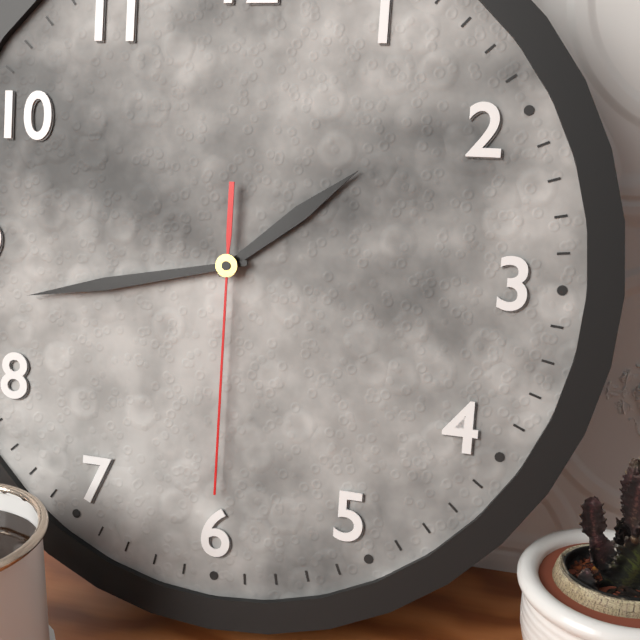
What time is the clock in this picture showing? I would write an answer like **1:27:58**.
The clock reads **1:43:30**
